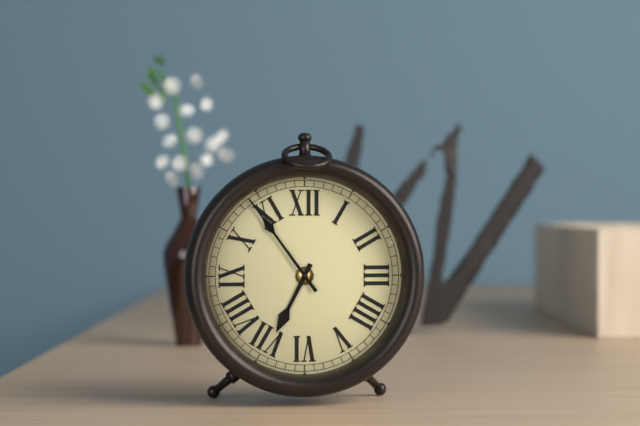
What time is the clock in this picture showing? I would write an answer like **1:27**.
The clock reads **6:54**
